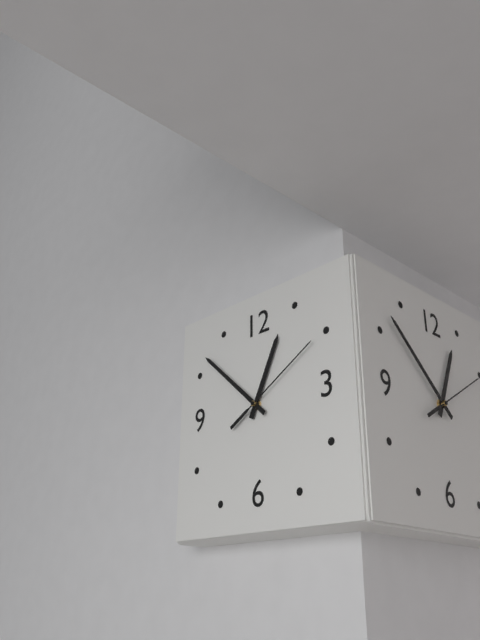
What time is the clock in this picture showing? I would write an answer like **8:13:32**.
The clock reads **12:52:10**
